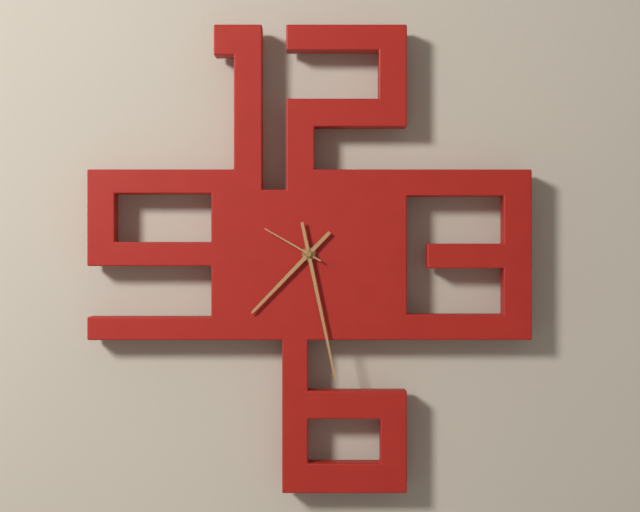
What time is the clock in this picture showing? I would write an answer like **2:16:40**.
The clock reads **7:28:50**
